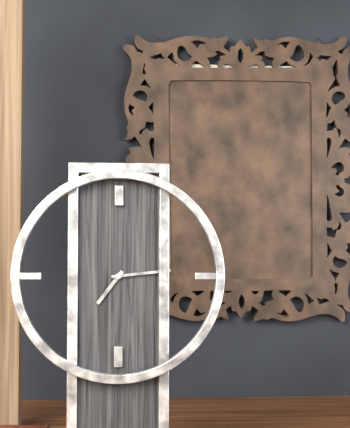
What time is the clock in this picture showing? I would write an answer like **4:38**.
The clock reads **7:14**
